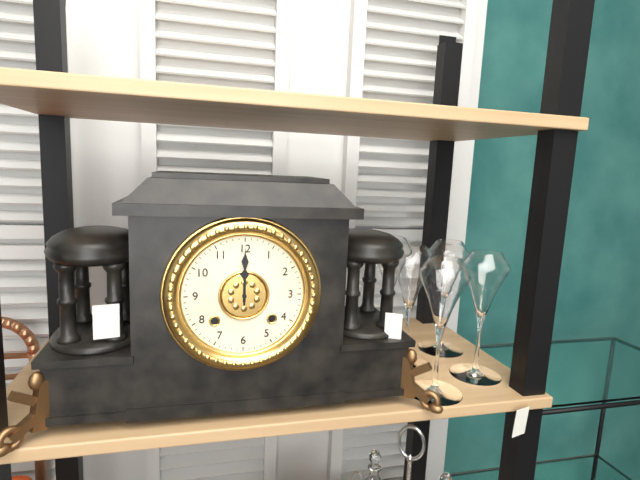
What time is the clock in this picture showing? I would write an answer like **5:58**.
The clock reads **12:00**
